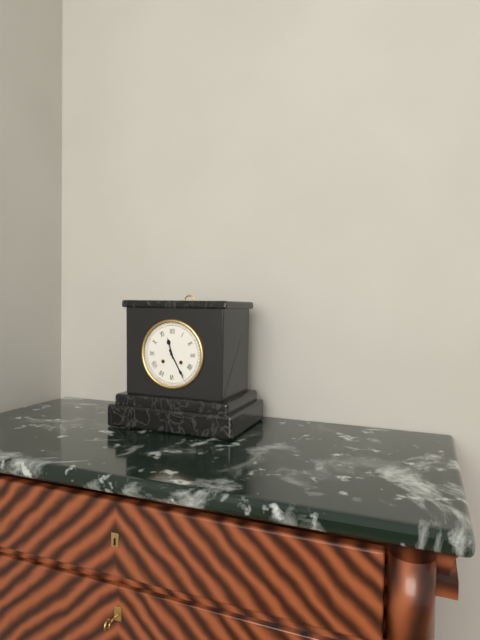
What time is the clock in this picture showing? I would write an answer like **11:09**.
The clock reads **11:25**
